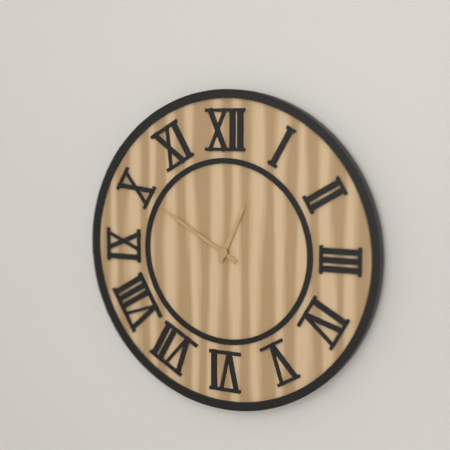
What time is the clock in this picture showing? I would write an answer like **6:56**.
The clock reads **12:50**
